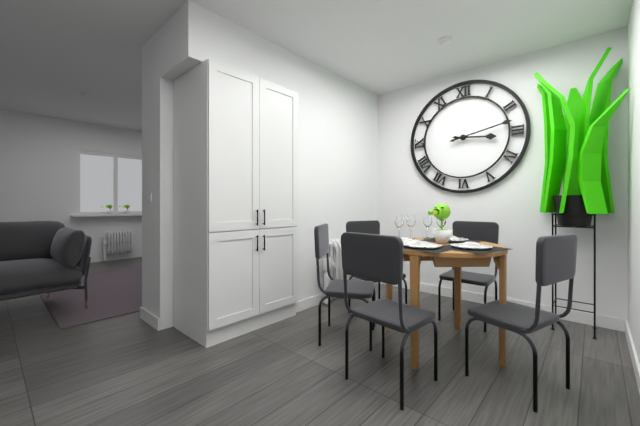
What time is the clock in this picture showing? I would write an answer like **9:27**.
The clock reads **3:13**
